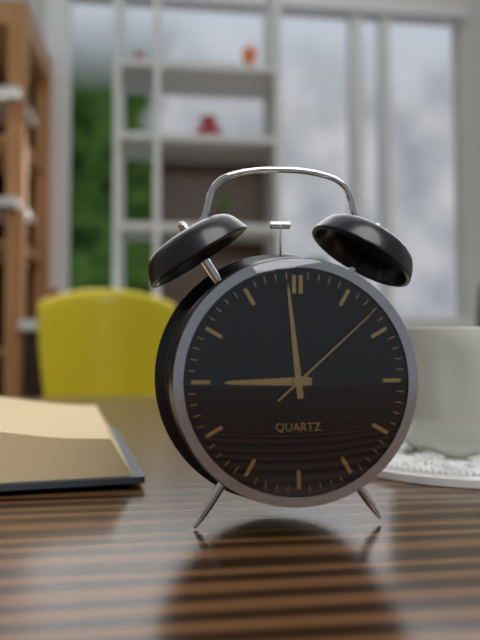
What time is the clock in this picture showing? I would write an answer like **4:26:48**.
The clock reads **8:59:08**
